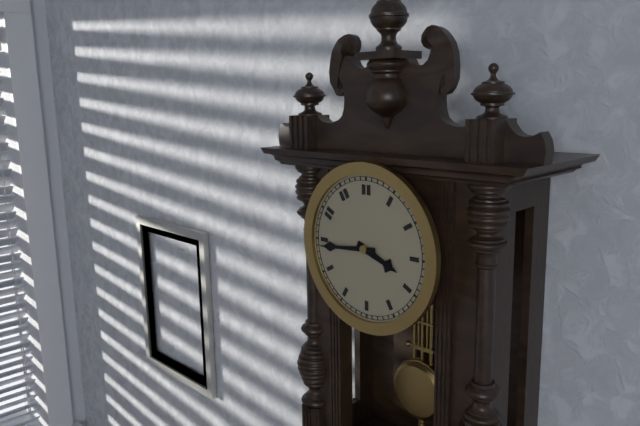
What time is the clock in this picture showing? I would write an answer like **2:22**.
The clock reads **3:44**
